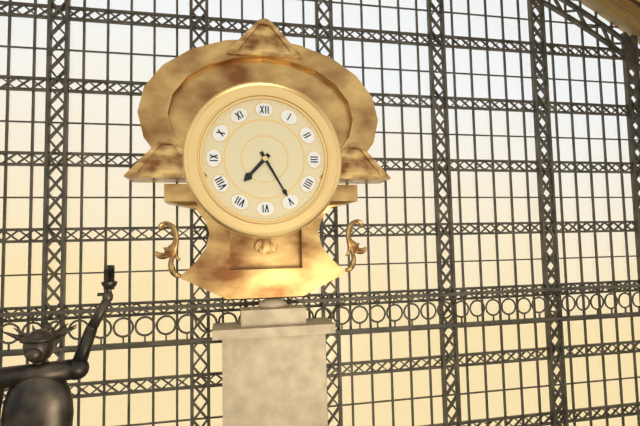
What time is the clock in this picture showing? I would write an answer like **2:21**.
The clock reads **7:25**
